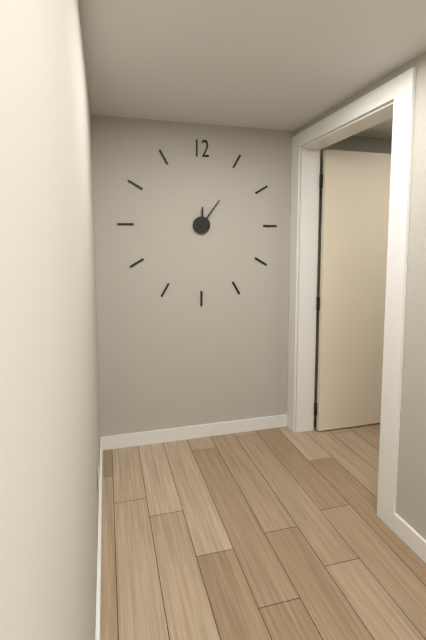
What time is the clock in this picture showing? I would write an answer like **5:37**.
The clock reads **12:06**
